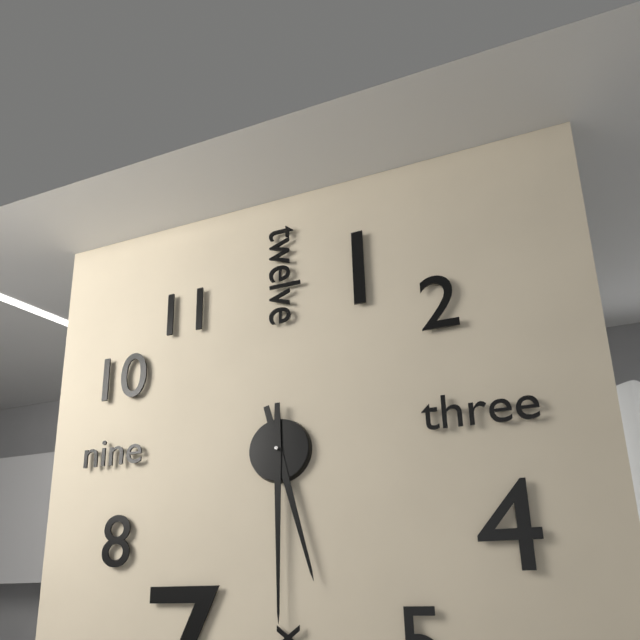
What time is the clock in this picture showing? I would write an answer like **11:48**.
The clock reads **5:30**
